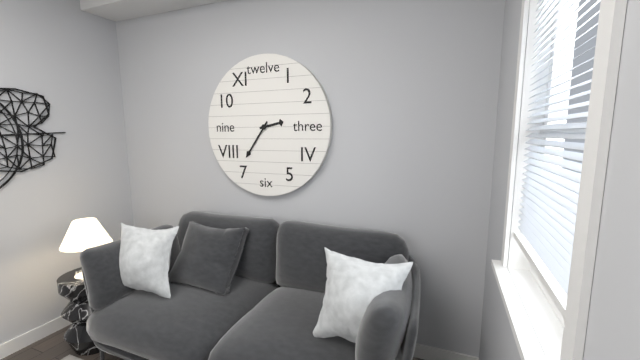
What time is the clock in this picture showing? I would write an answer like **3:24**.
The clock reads **2:36**
